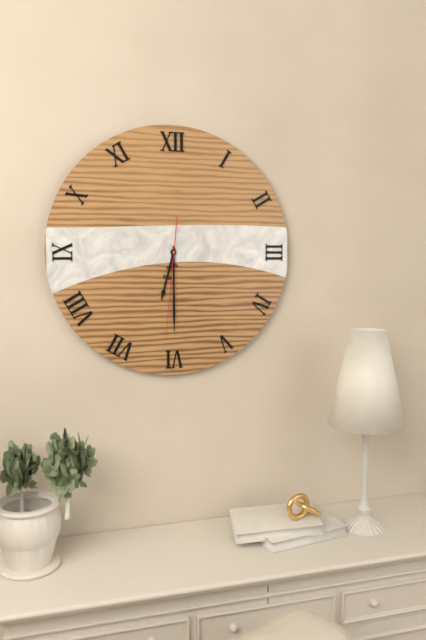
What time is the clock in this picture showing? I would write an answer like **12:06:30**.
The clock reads **6:30:31**
